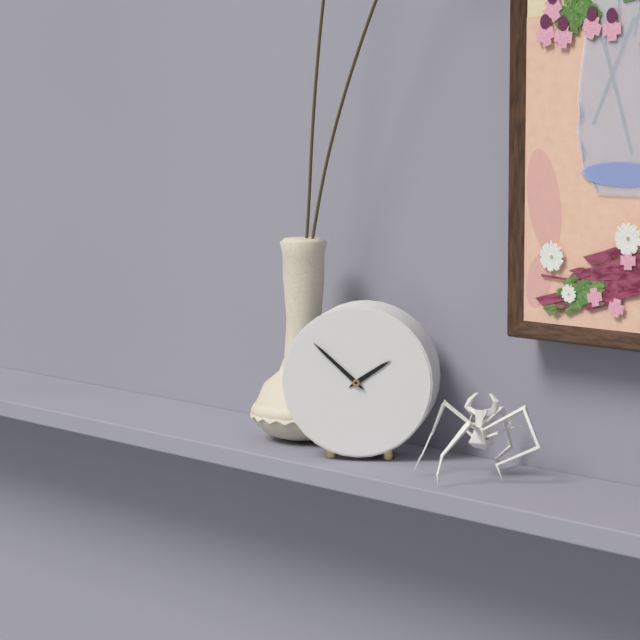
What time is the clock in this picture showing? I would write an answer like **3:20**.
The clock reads **1:52**
